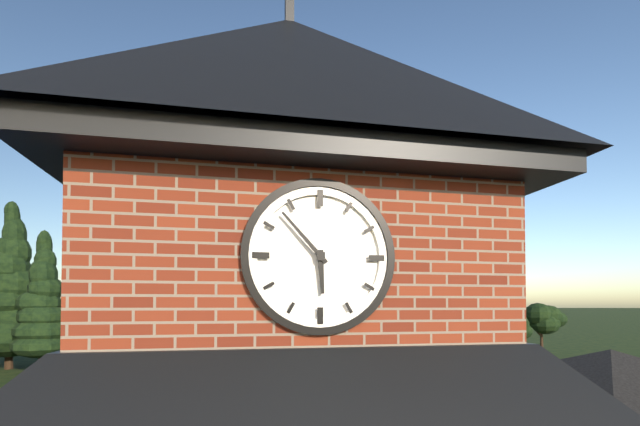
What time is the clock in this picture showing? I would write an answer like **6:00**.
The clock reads **5:53**
